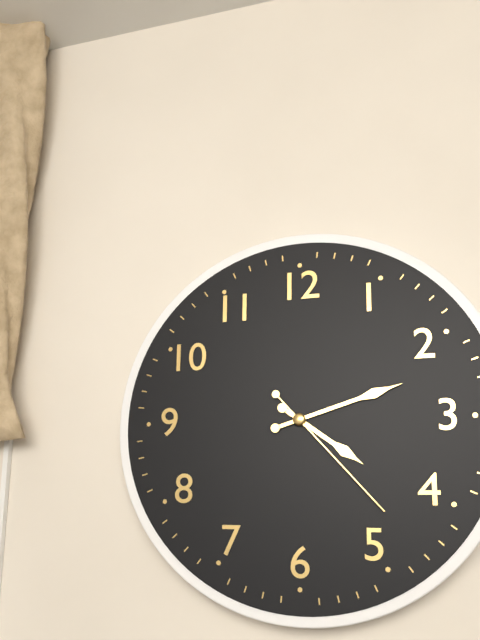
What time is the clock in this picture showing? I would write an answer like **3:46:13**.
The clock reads **4:12:23**
